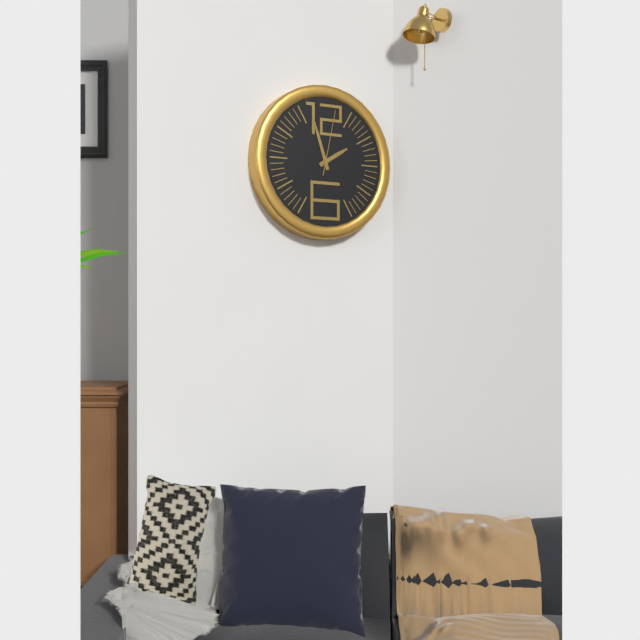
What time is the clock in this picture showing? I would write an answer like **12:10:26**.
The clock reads **1:57:02**
